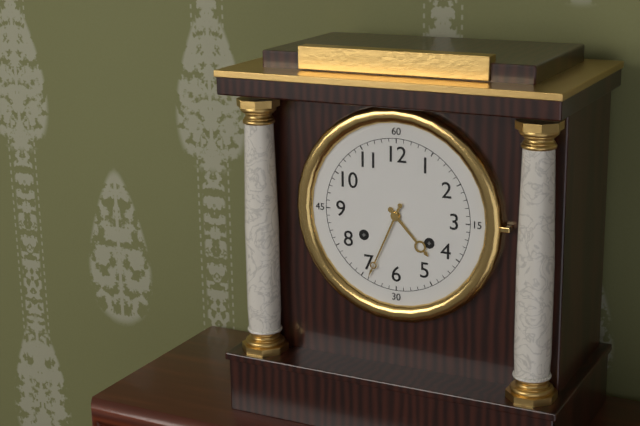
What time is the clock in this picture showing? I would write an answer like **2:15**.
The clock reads **4:34**
